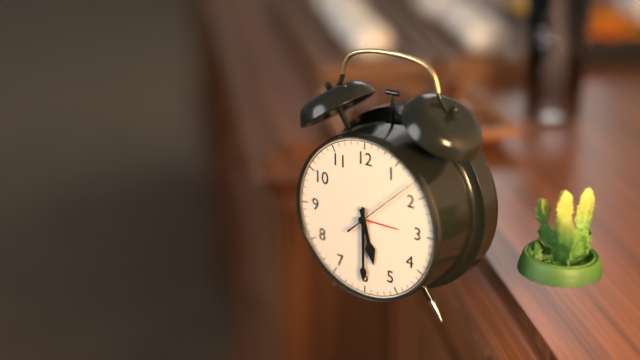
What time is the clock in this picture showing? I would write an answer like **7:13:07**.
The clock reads **5:30:08**
